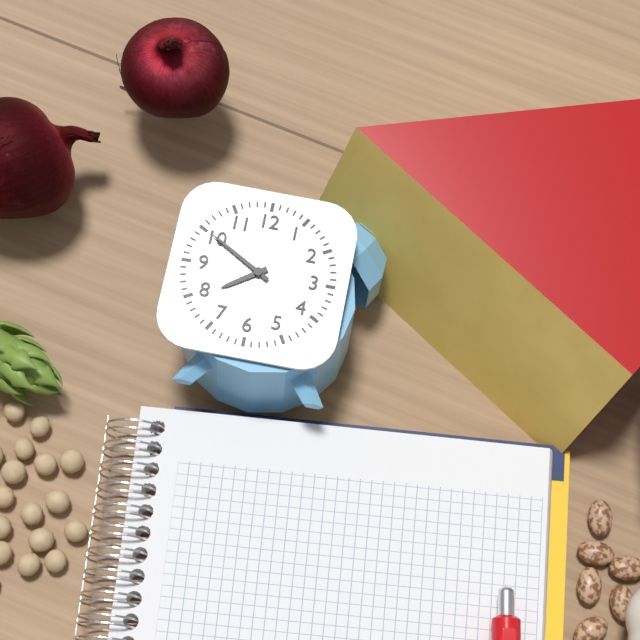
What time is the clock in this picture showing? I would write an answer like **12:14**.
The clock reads **7:50**
